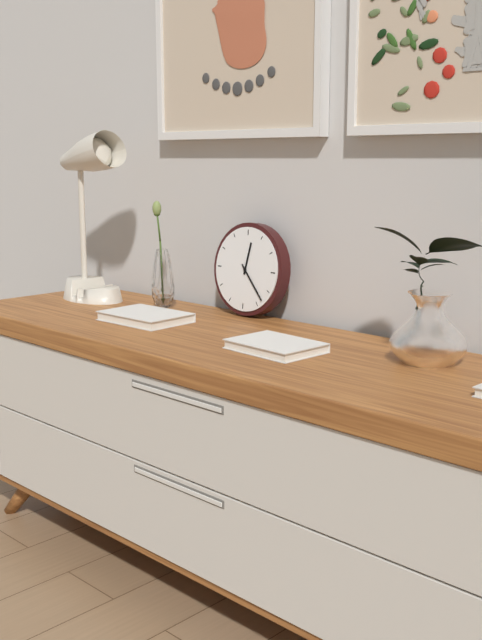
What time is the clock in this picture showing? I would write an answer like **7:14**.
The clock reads **12:23**
